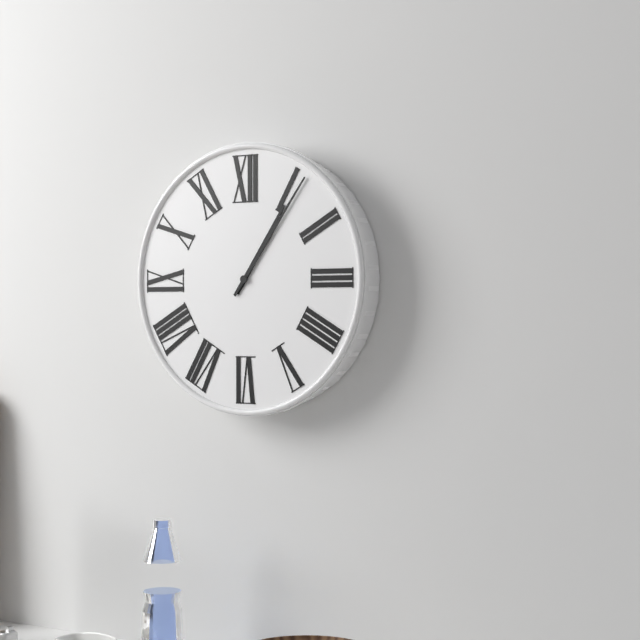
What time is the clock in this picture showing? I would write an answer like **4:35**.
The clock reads **1:06**
